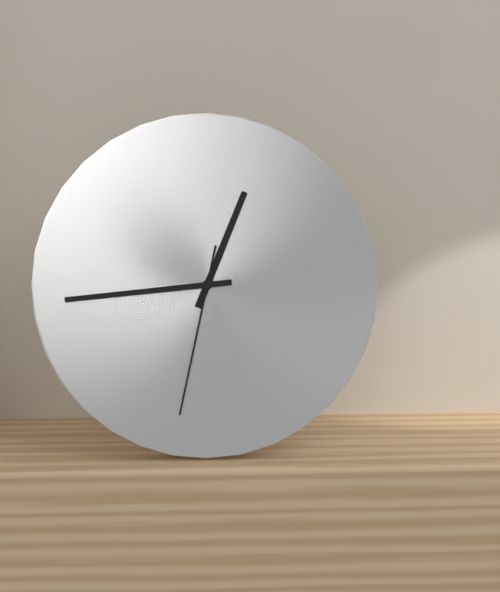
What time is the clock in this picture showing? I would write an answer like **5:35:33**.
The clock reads **12:44:32**
